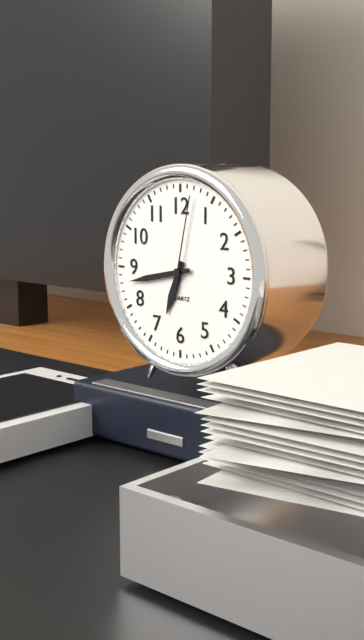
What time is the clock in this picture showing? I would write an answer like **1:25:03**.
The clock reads **6:43:02**
